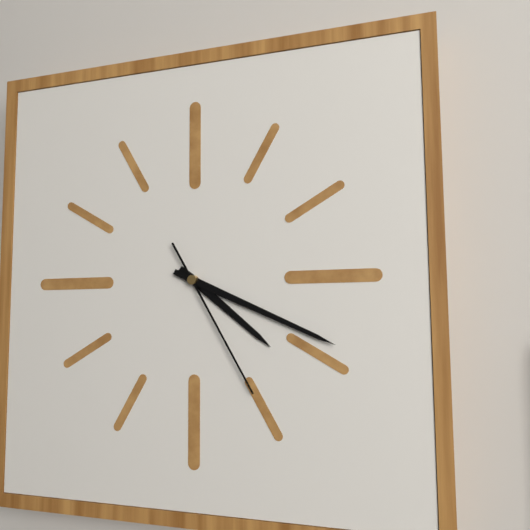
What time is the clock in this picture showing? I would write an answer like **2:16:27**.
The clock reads **4:19:25**
